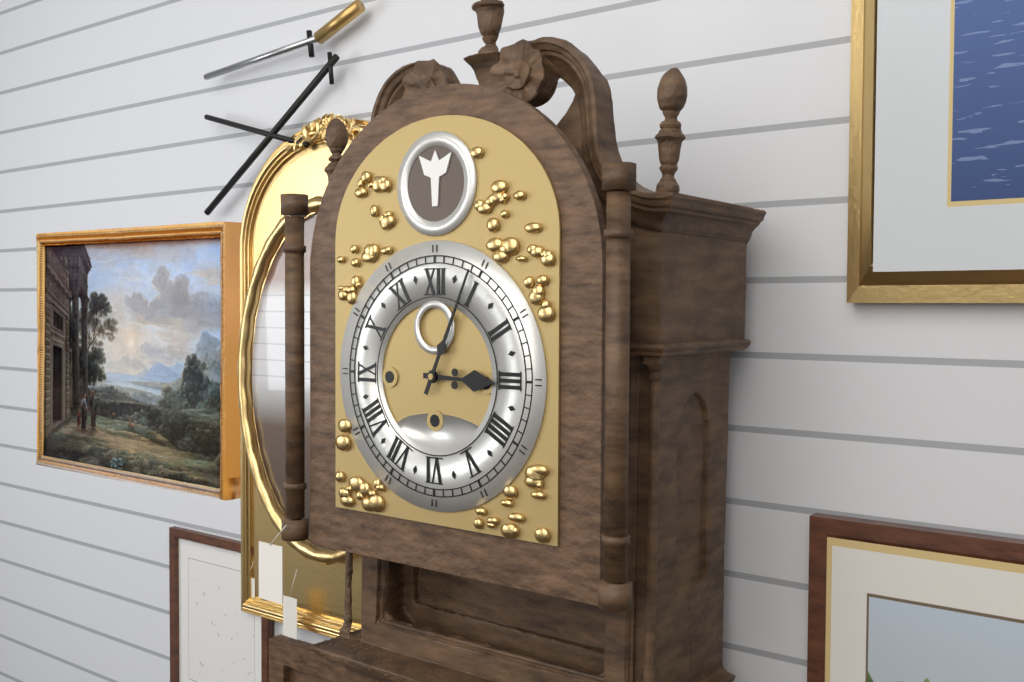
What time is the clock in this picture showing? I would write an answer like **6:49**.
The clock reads **3:04**
